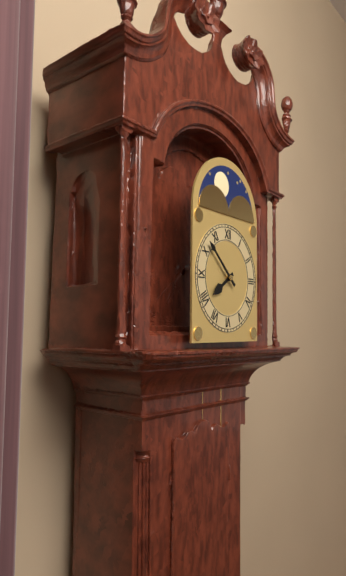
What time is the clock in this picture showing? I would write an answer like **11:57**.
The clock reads **7:52**
